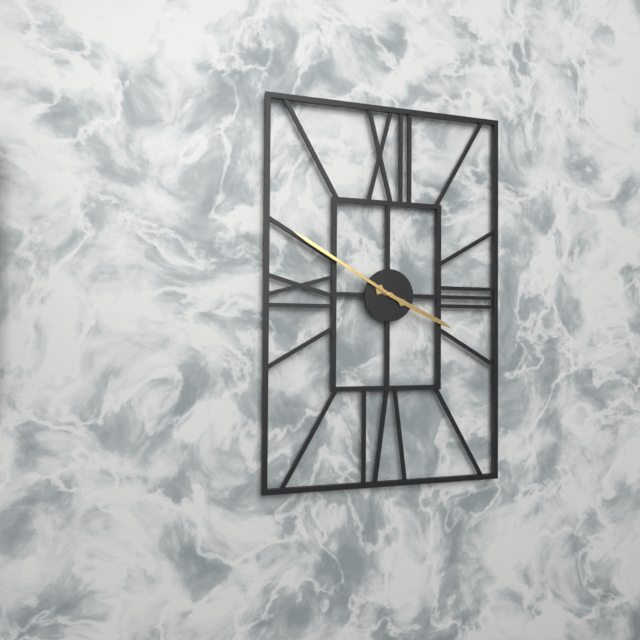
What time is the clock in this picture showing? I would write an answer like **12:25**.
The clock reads **3:50**
